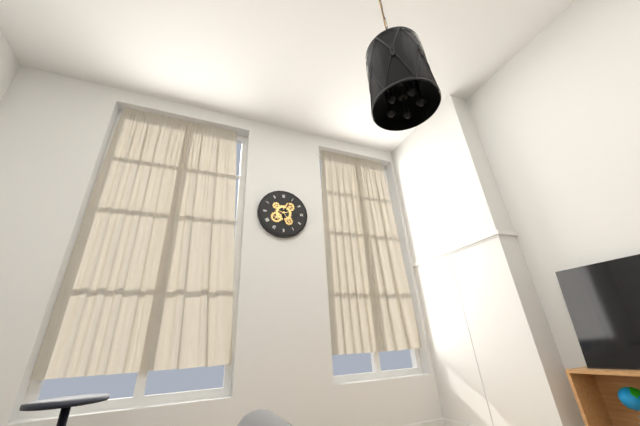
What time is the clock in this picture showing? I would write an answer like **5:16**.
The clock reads **6:04**
